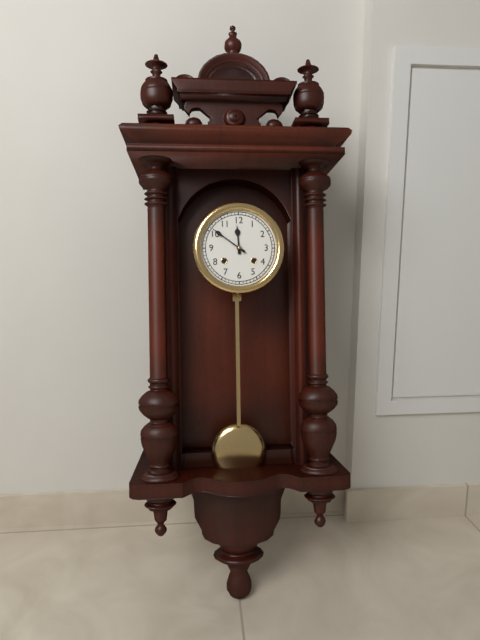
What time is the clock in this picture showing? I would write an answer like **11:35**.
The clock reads **11:51**
